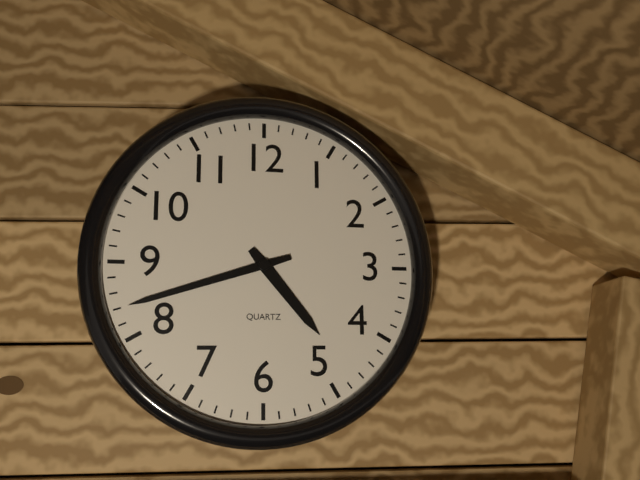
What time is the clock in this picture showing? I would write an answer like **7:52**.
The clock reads **4:42**
